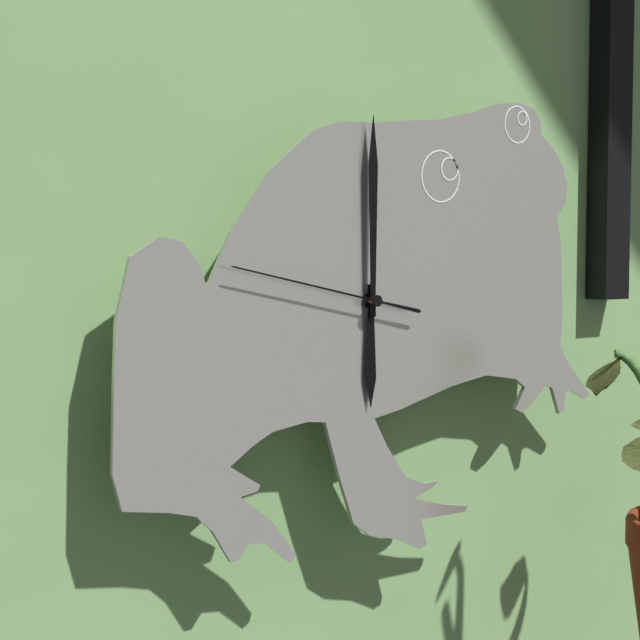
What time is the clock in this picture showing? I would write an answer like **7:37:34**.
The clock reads **6:00:47**
